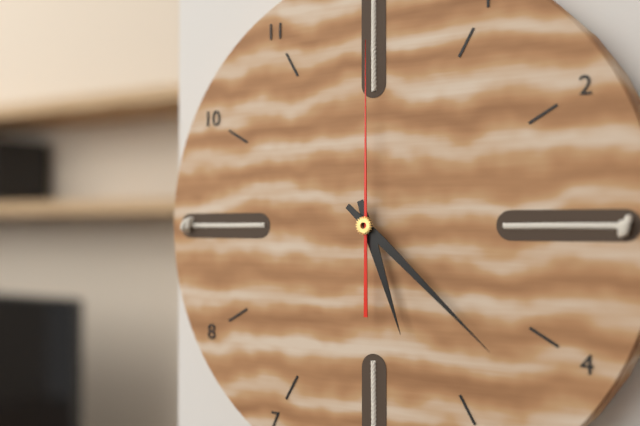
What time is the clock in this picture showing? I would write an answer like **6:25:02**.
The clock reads **5:22:00**
